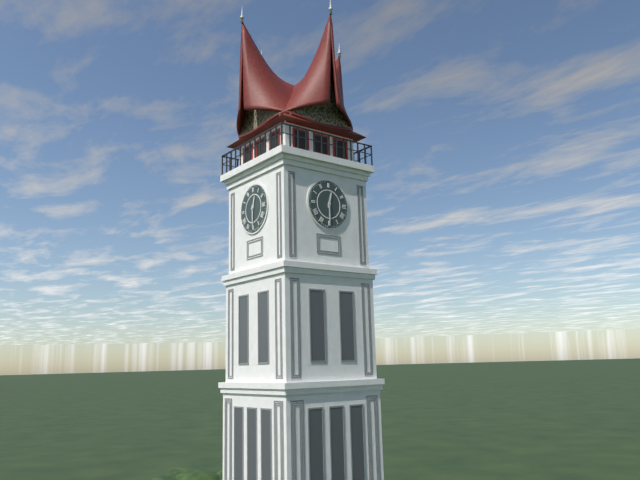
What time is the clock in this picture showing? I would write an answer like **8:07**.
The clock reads **12:30**
